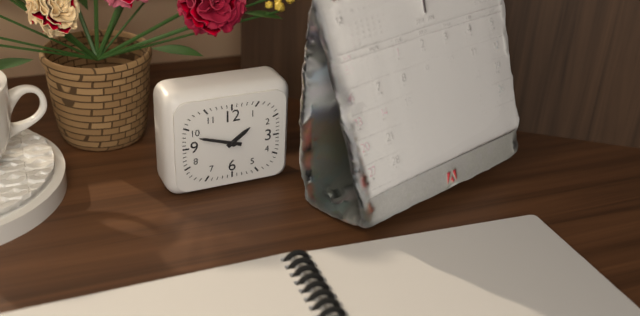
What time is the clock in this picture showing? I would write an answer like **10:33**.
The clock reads **1:48**
